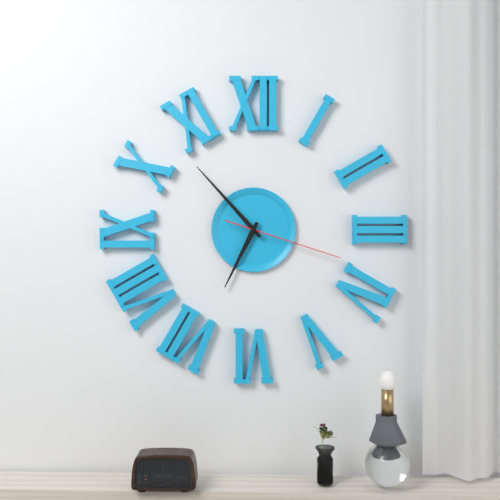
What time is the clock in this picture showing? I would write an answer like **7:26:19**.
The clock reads **6:53:18**
